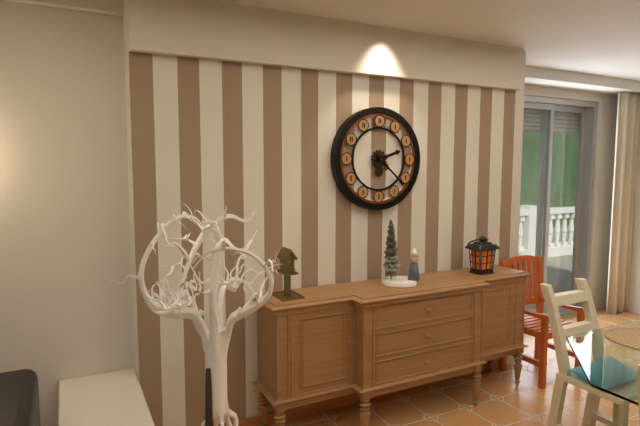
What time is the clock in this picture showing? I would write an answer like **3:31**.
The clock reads **2:22**
